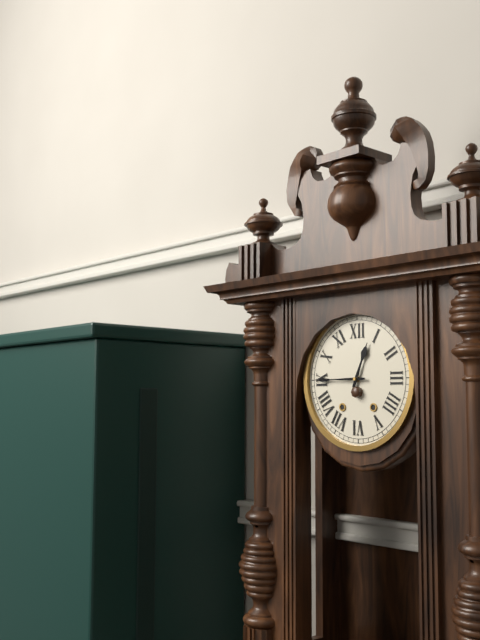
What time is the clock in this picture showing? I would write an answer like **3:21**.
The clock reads **12:45**
